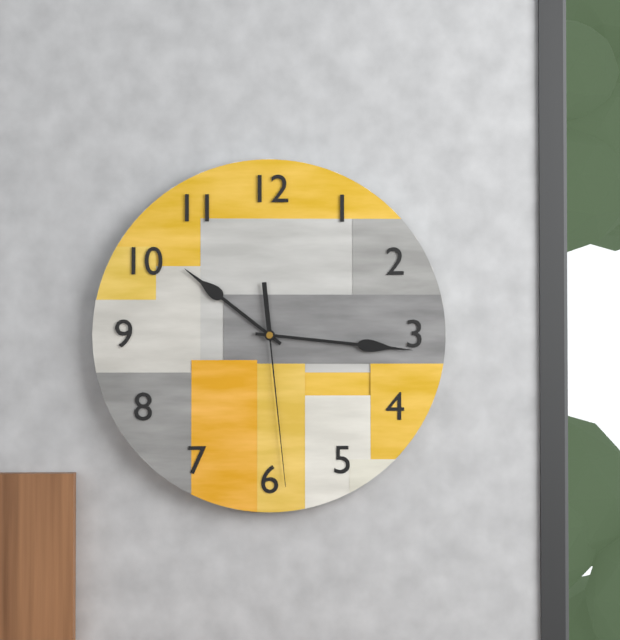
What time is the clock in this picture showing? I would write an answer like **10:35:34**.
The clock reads **10:16:29**
